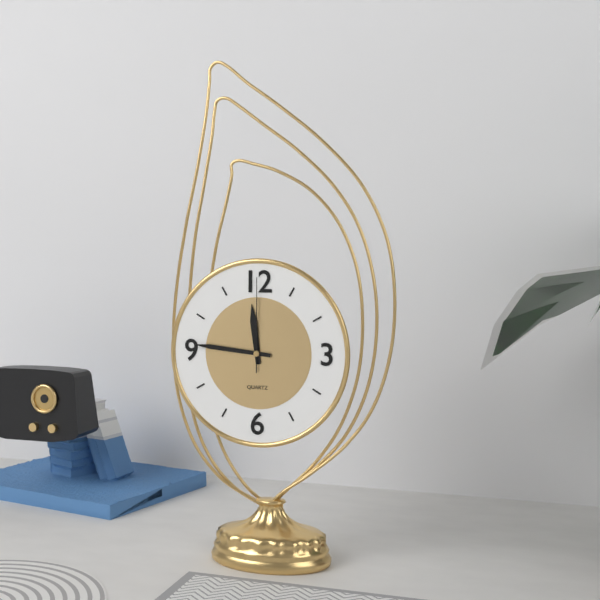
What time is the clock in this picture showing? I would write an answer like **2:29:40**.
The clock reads **11:46:00**
